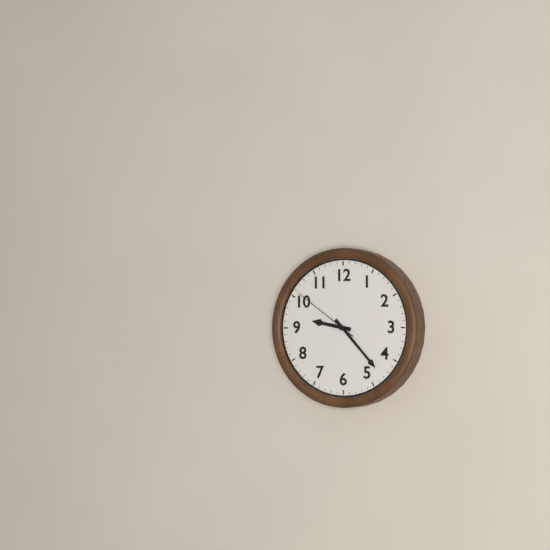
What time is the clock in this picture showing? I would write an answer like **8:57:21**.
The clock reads **9:23:51**
